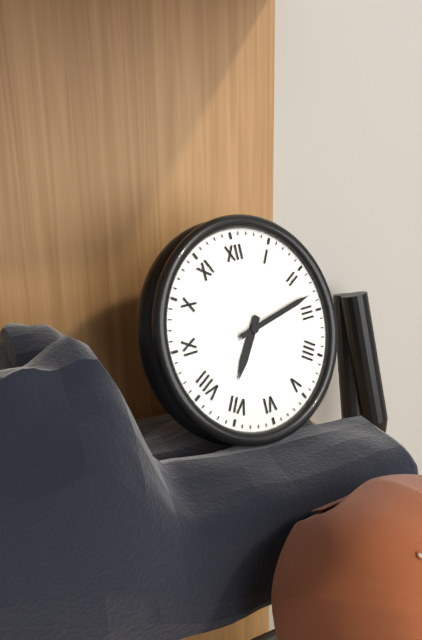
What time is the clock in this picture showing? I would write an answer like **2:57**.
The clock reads **7:13**
